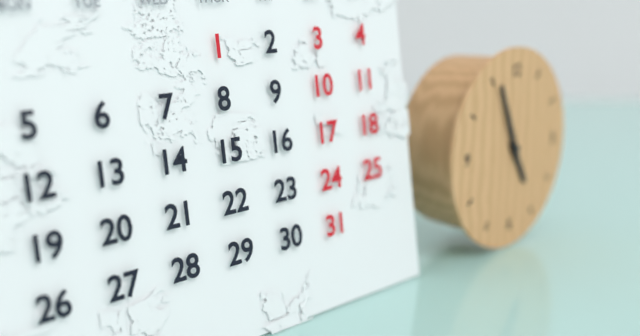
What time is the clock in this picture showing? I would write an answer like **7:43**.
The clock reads **4:56**
